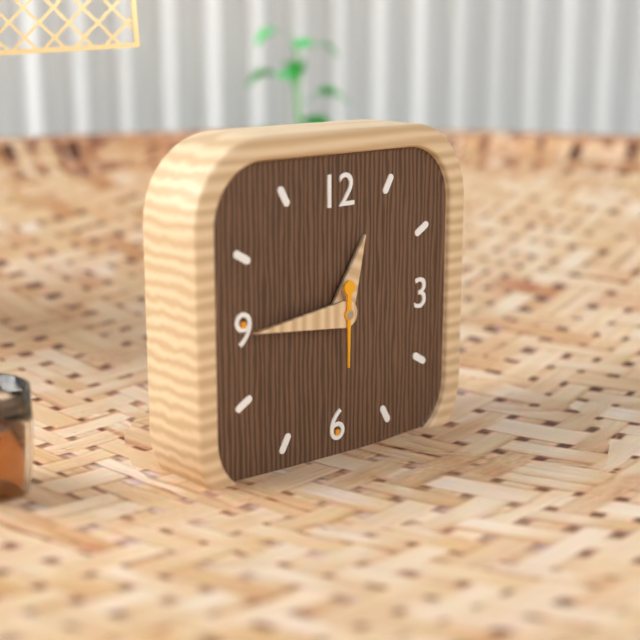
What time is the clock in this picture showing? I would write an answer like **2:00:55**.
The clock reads **12:45:30**
